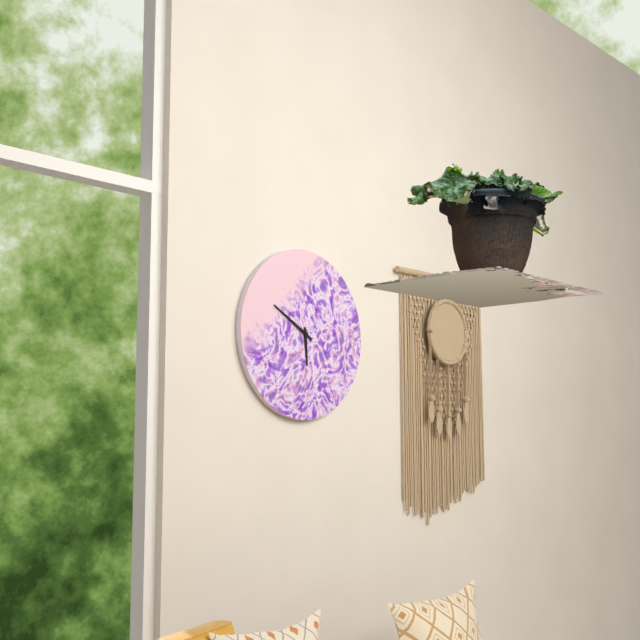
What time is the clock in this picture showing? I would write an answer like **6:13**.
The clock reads **5:50**
